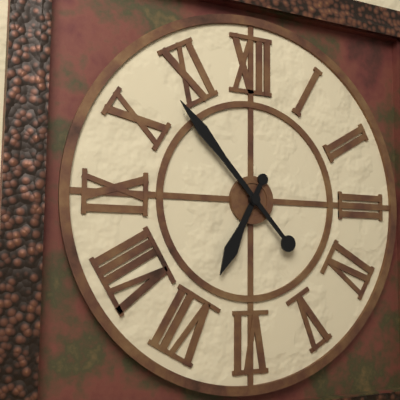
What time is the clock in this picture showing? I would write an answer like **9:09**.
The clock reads **6:53**
